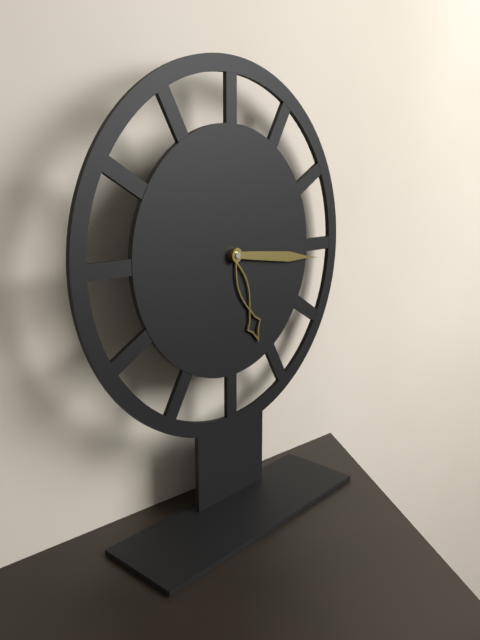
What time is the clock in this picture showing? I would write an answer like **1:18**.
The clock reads **5:16**
